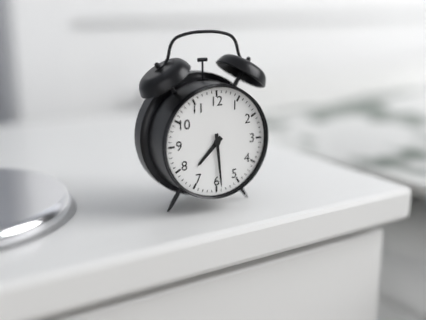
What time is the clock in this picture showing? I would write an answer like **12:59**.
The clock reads **7:29**
